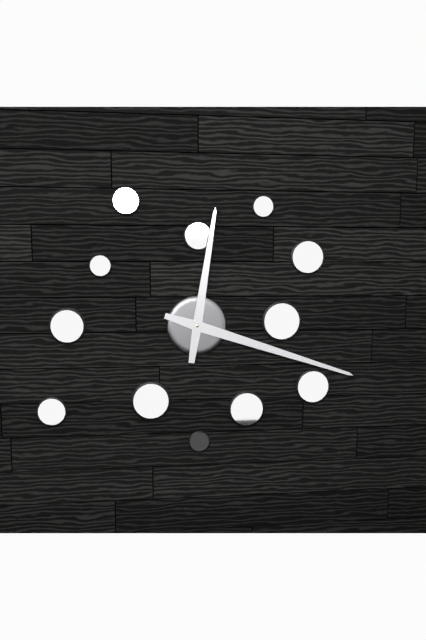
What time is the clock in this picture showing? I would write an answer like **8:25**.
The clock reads **12:18**
